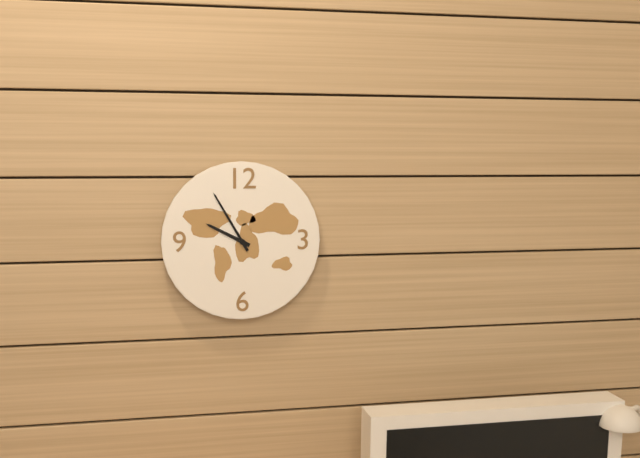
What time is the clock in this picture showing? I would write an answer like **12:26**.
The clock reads **9:55**
